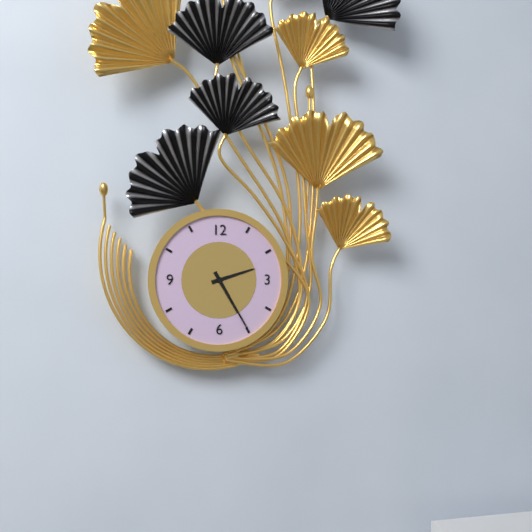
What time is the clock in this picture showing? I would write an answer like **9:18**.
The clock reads **2:25**
